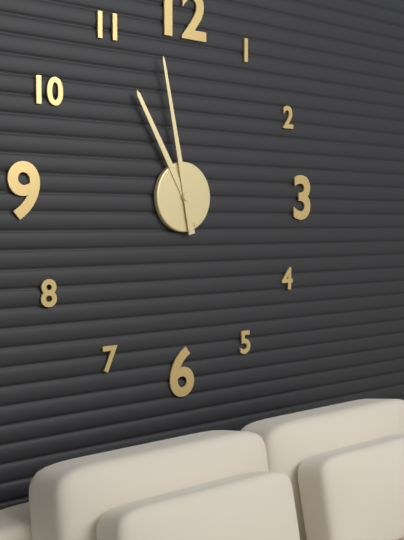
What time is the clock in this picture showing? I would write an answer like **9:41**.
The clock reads **10:58**
